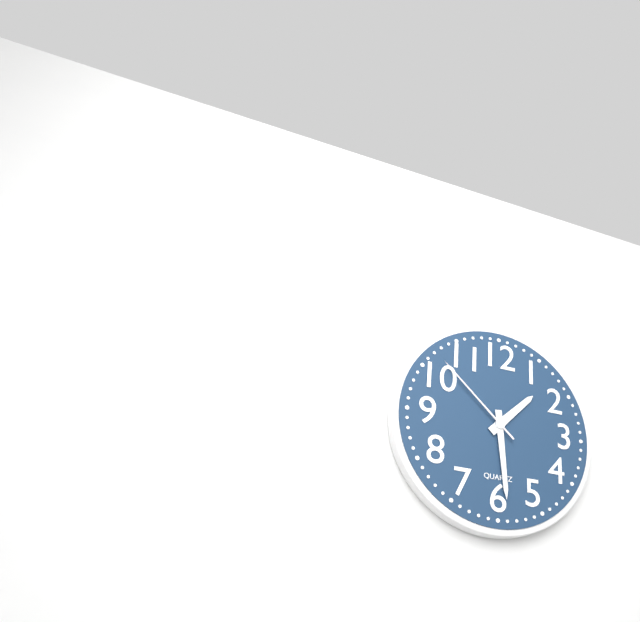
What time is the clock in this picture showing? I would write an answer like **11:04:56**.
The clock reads **1:29:52**
